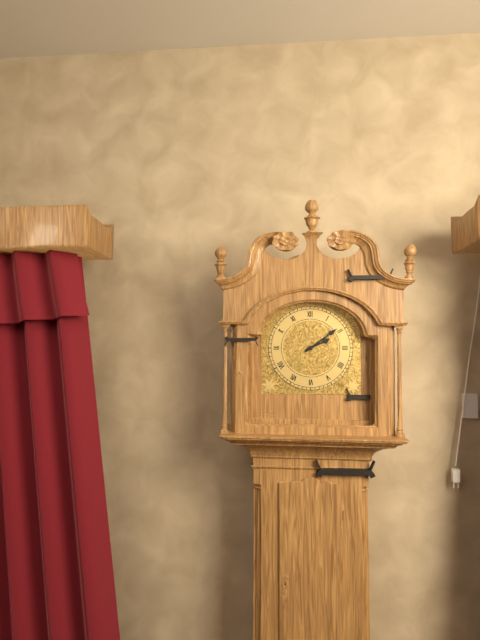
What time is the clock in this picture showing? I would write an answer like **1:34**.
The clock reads **2:09**
